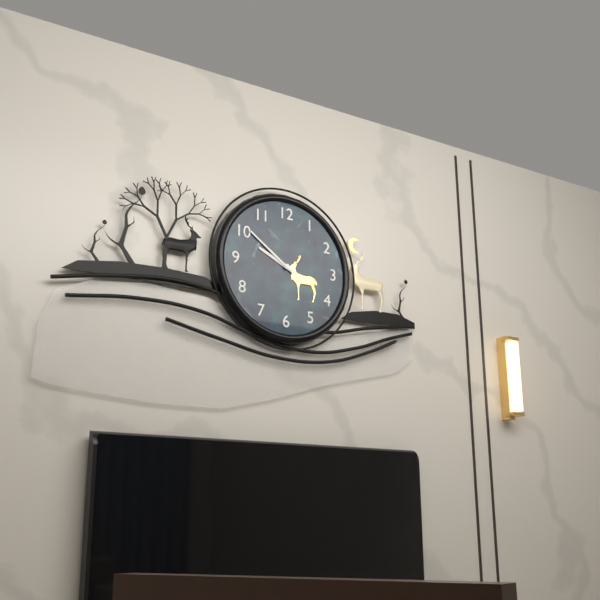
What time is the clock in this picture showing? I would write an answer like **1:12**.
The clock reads **9:51**
